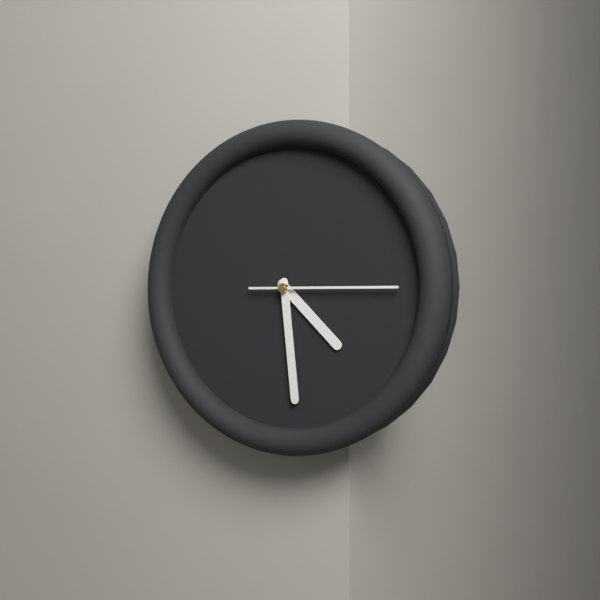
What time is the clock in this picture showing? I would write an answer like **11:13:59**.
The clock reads **4:29:15**
